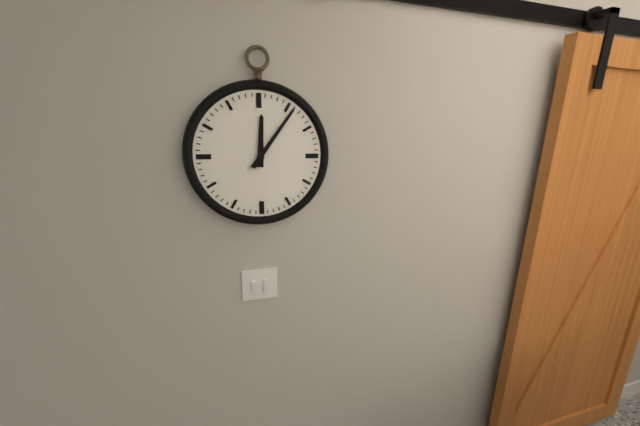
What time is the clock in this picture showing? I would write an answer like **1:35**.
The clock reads **12:06**
